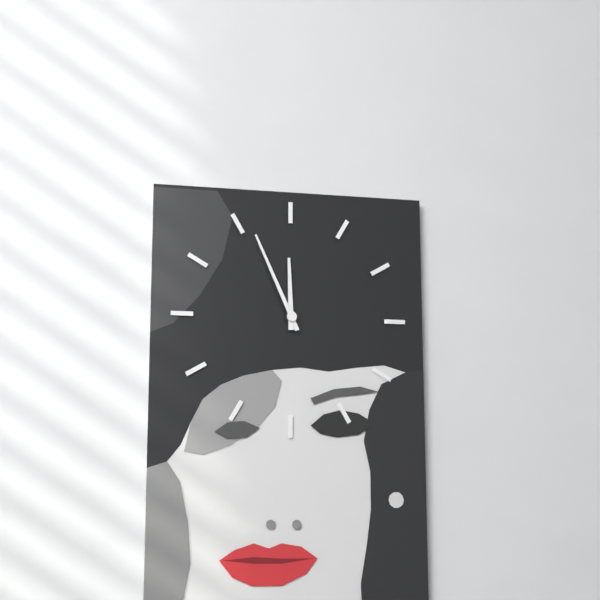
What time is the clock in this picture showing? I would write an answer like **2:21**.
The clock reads **11:56**
